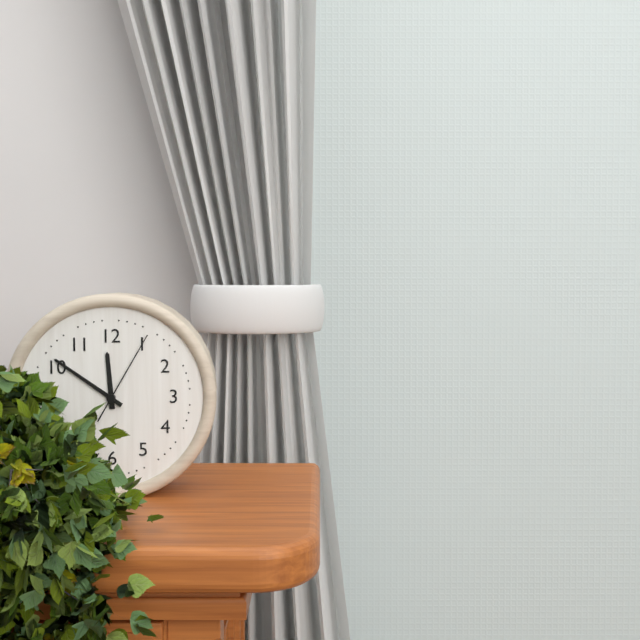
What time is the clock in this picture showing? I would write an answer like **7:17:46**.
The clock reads **11:51:05**
